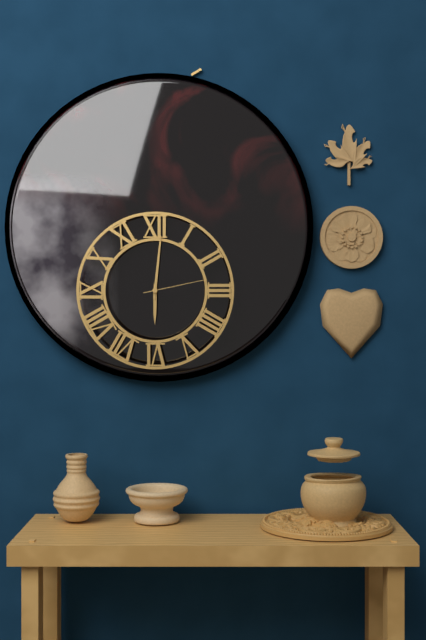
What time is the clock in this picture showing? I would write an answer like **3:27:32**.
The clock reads **6:01:13**
